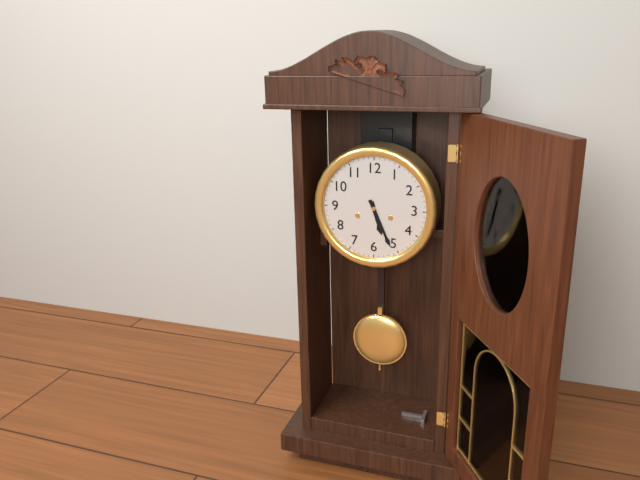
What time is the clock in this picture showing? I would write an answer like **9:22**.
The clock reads **5:26**
